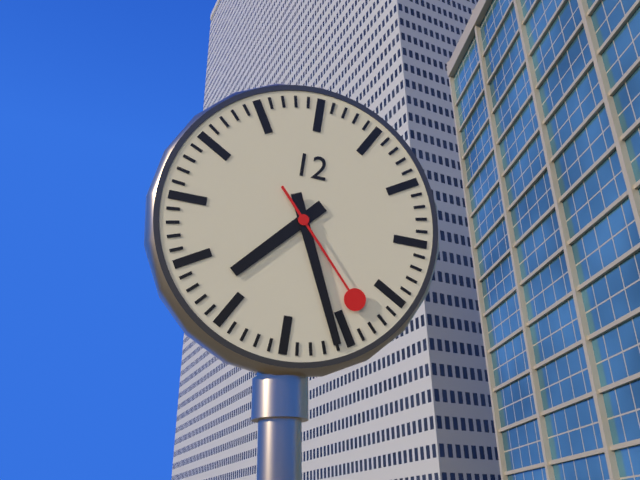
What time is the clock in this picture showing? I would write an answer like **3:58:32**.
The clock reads **7:26:23**
